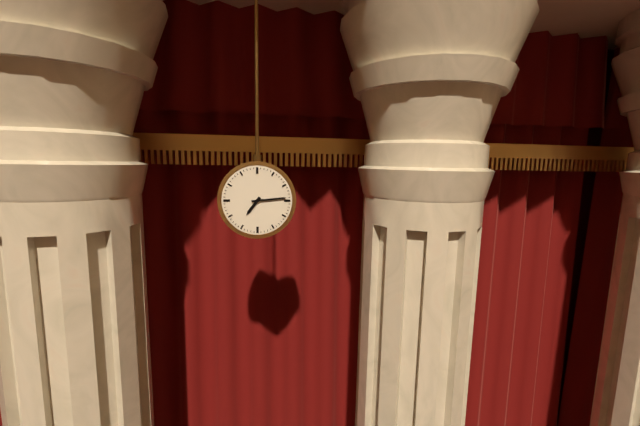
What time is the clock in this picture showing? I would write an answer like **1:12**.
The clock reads **7:14**
